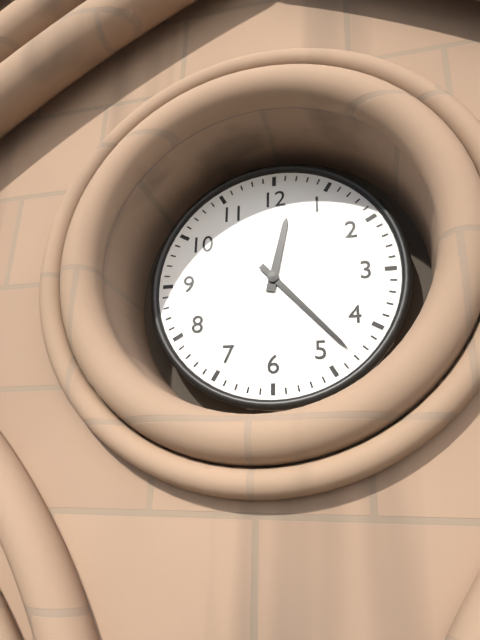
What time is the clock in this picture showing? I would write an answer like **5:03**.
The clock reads **12:23**
